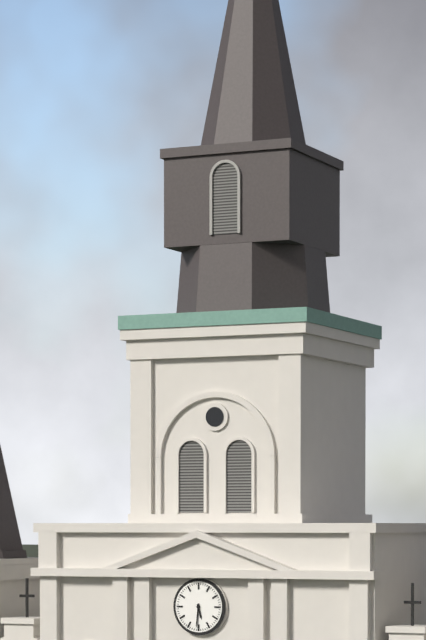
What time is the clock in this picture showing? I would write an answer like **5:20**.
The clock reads **5:31**
